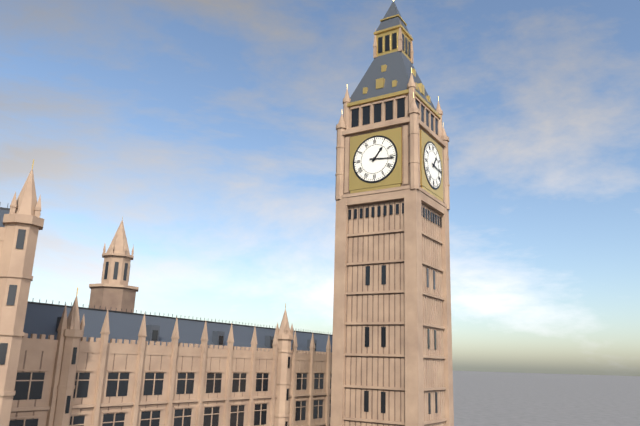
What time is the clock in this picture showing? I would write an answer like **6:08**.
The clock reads **1:16**
